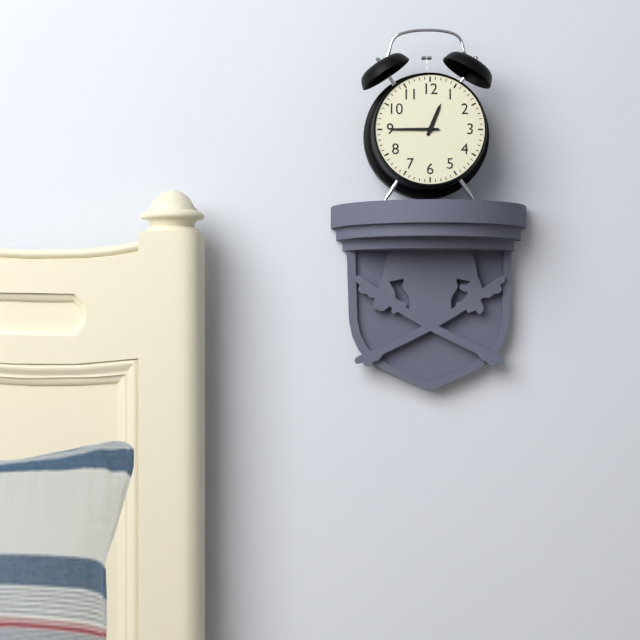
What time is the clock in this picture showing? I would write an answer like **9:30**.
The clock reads **12:45**
